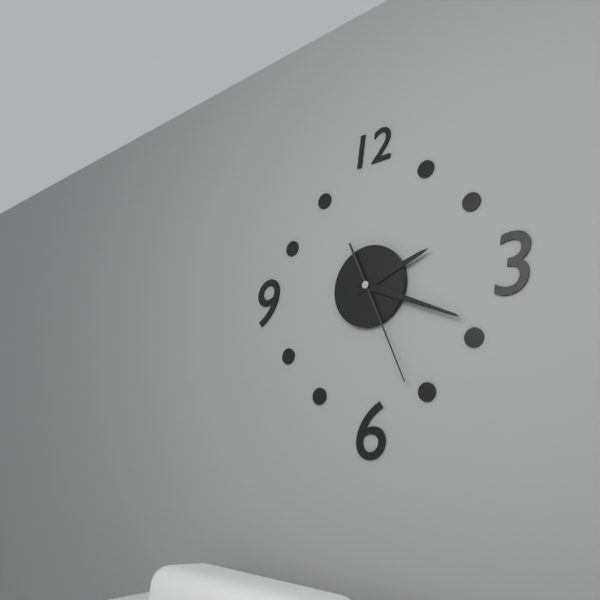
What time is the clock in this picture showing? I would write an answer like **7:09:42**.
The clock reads **2:19:26**
